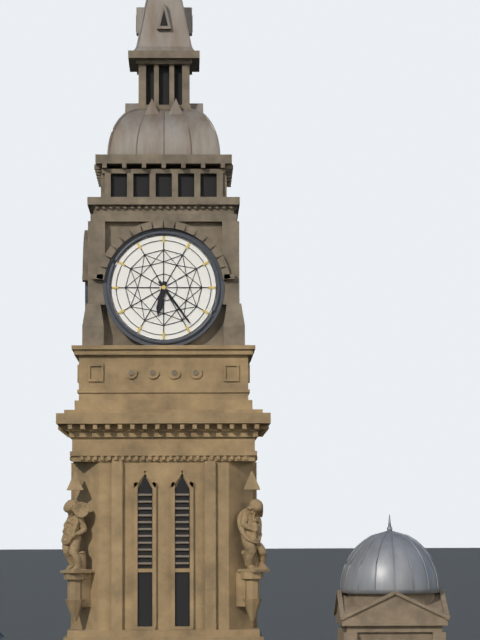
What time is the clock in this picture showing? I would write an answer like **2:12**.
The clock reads **6:24**
